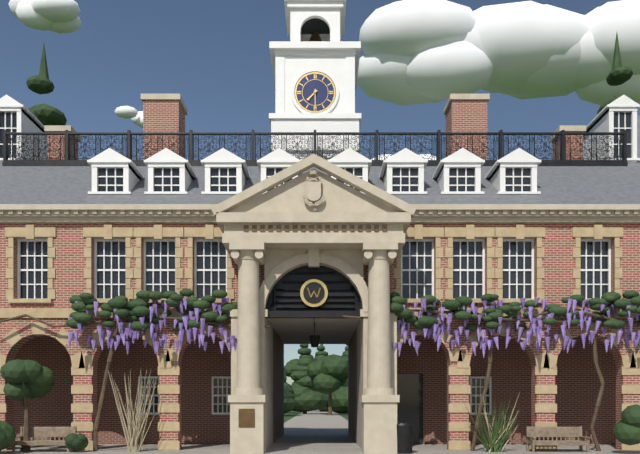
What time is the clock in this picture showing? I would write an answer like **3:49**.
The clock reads **7:30**
